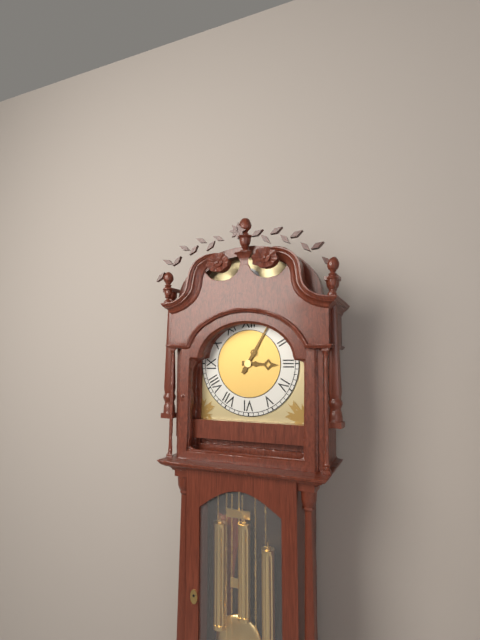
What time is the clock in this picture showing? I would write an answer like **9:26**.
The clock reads **3:05**
